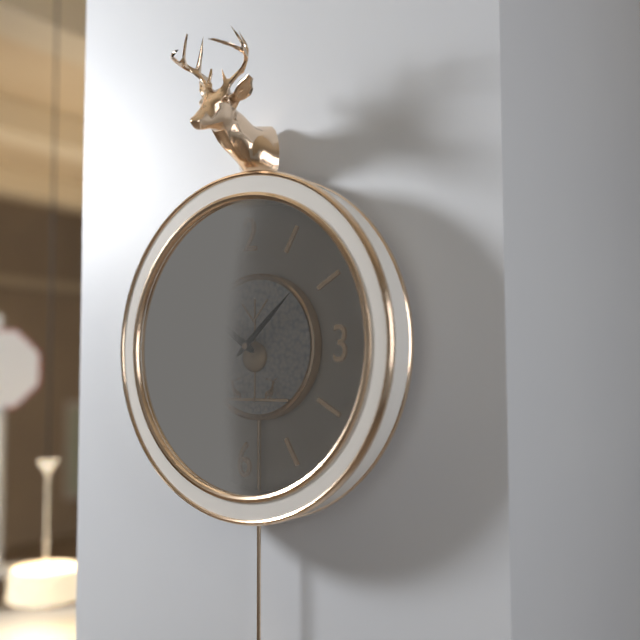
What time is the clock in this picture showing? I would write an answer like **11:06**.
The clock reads **10:08**
